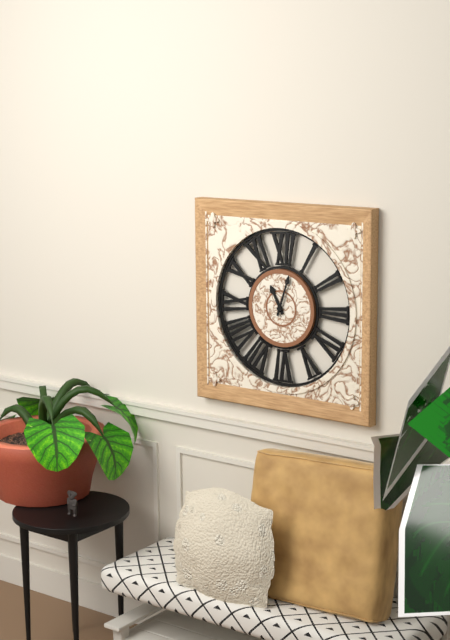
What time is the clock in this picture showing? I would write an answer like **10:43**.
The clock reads **11:03**
